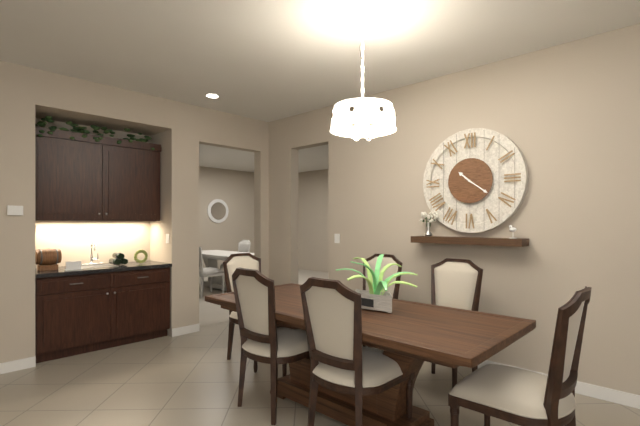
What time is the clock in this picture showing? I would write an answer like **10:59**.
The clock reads **10:21**
